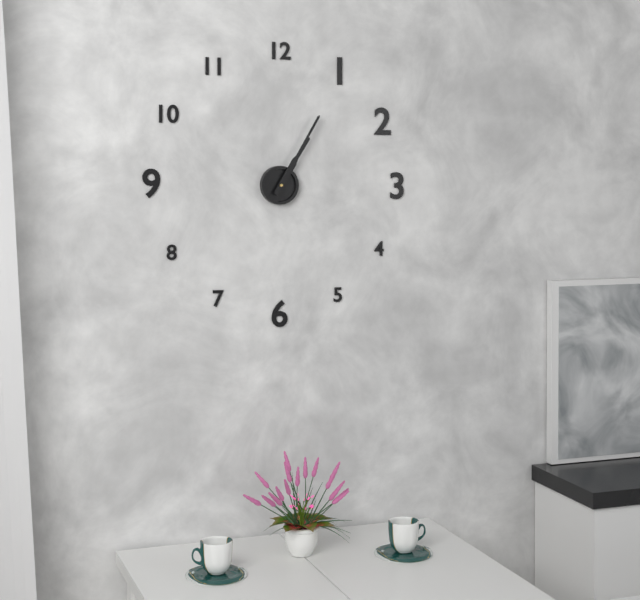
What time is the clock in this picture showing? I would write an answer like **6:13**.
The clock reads **1:05**
